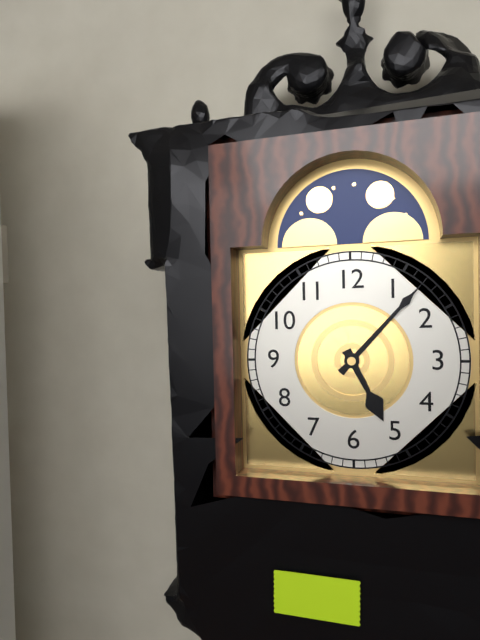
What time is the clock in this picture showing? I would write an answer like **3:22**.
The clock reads **5:07**
